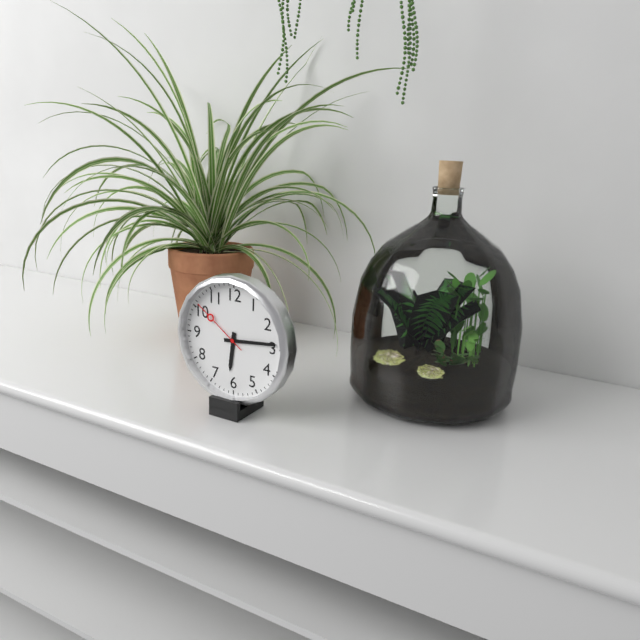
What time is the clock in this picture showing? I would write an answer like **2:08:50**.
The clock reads **6:14:51**
